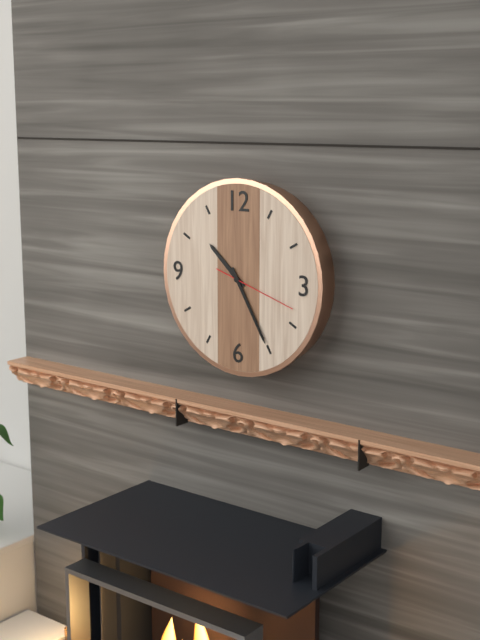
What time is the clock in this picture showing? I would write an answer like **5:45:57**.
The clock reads **10:25:18**
